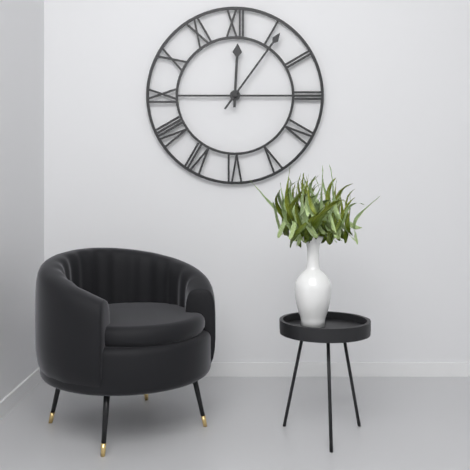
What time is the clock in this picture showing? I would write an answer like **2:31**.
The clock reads **12:06**
